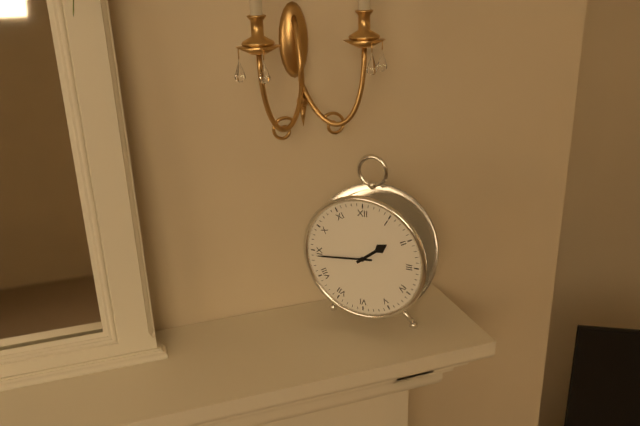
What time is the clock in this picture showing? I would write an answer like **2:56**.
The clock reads **1:44**
